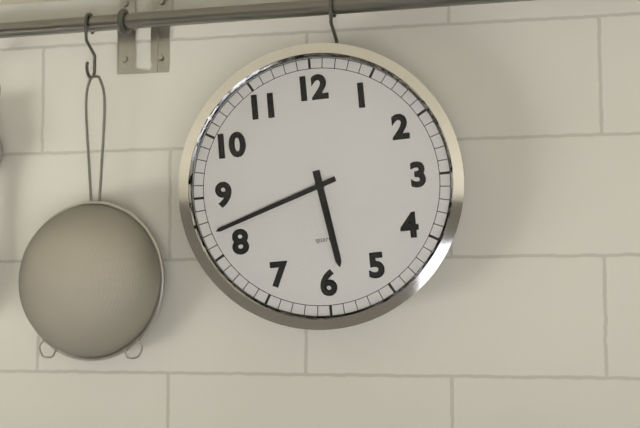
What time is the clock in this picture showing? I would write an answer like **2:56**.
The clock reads **5:42**
